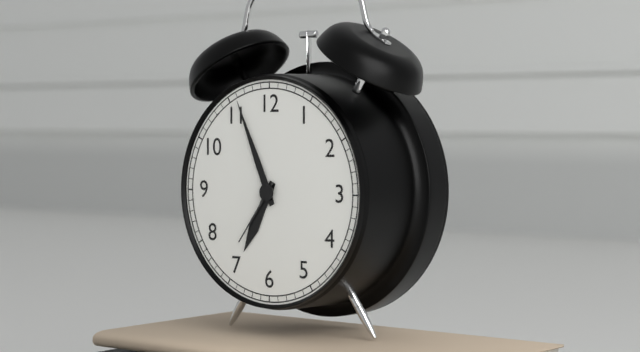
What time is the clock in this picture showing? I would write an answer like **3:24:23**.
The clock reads **6:56:36**
